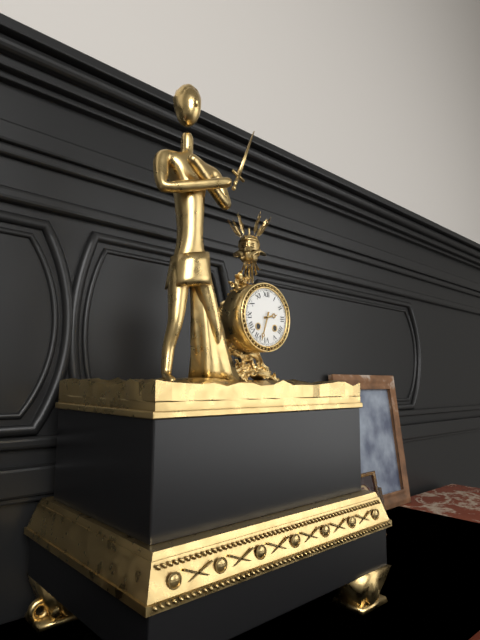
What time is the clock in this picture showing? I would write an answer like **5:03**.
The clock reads **2:33**
